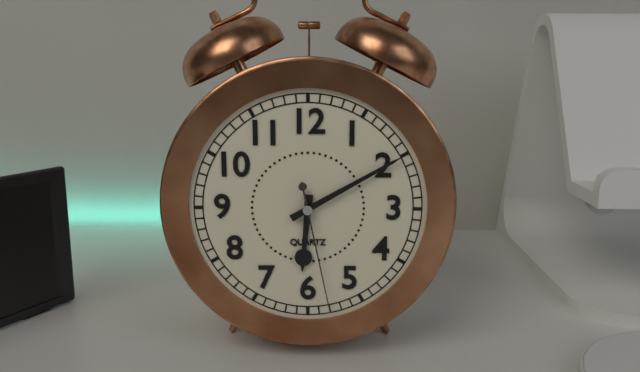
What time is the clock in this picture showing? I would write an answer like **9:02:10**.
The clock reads **6:10:28**
